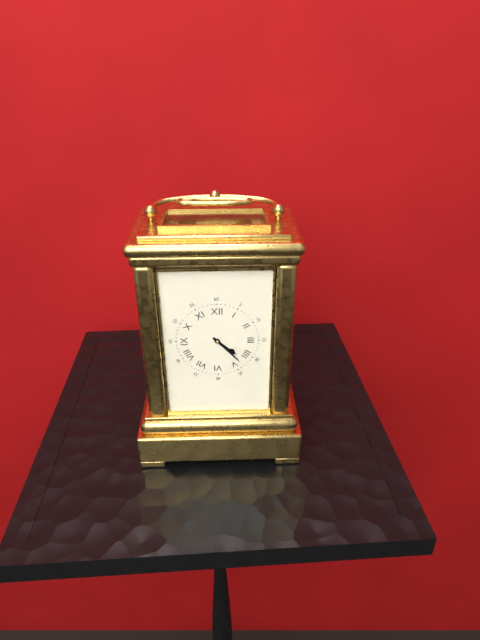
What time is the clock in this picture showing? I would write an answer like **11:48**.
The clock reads **4:23**
